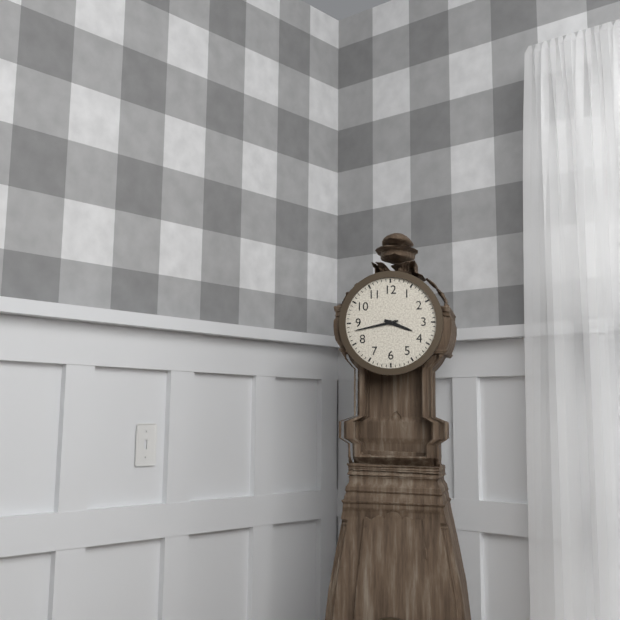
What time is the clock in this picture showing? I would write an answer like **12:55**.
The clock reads **3:43**
